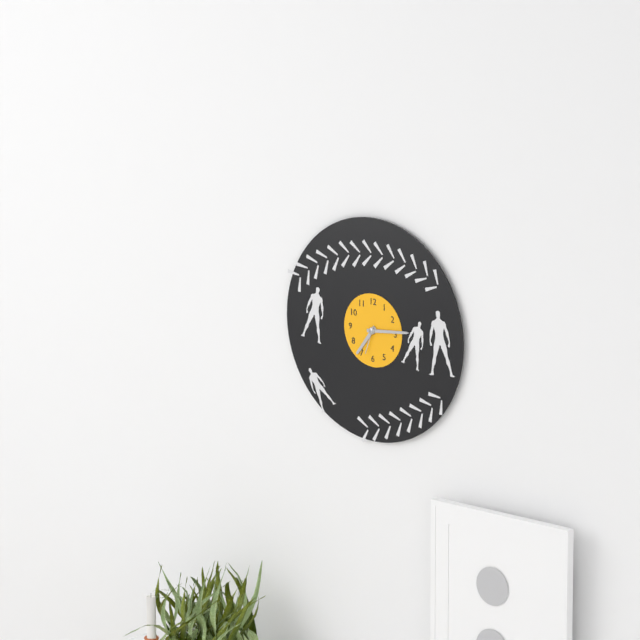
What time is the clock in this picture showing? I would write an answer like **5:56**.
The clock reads **7:14**
